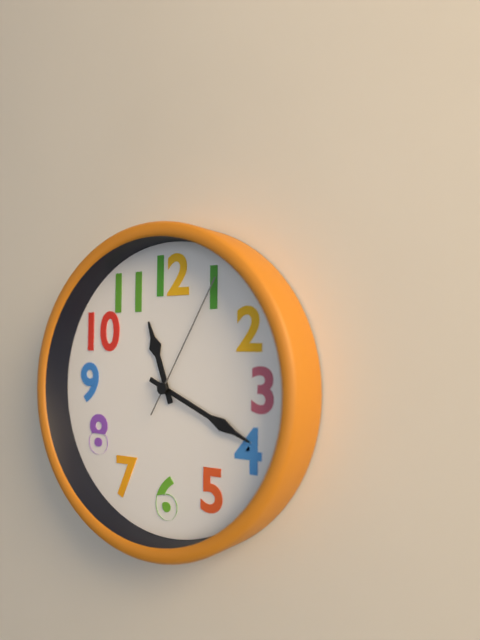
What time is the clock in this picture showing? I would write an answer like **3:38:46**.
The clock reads **11:19:05**
